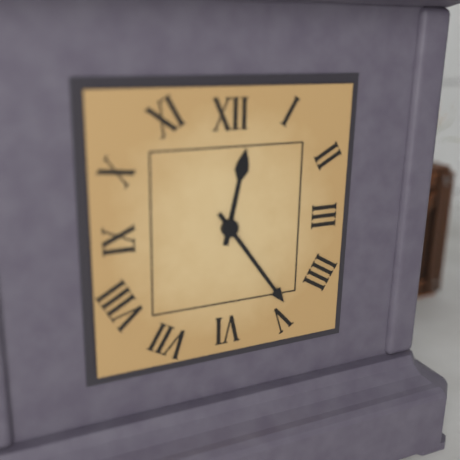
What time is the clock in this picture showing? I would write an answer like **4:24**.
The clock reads **12:24**
